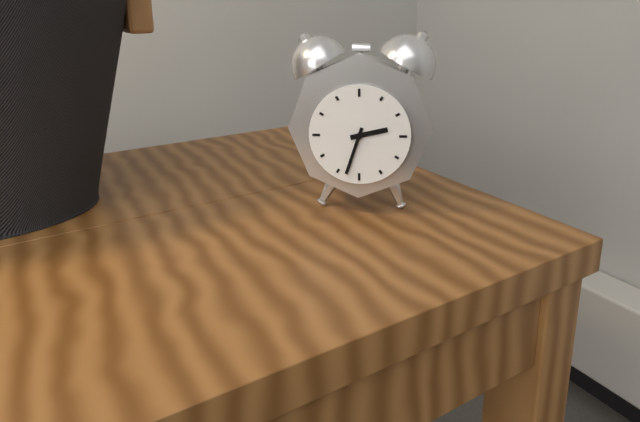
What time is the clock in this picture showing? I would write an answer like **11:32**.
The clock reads **2:33**
